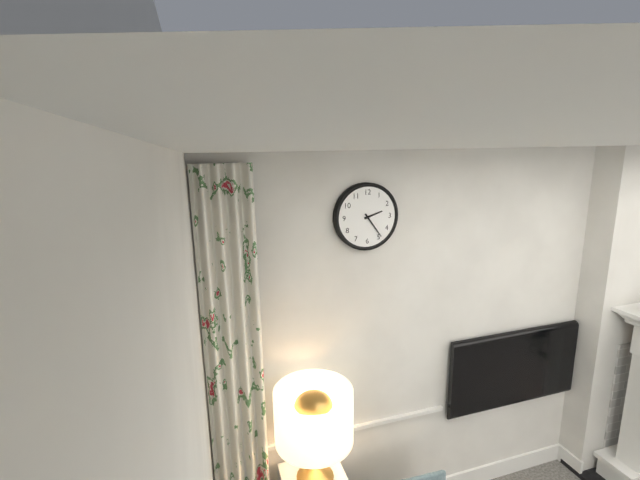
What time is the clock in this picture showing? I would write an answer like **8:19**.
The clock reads **2:24**
